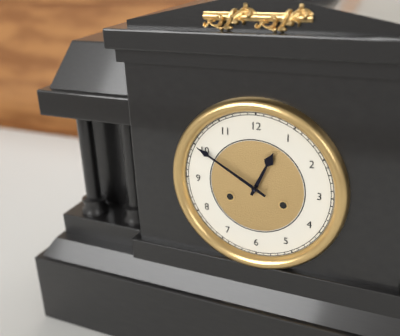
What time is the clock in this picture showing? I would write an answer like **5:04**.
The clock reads **12:50**
